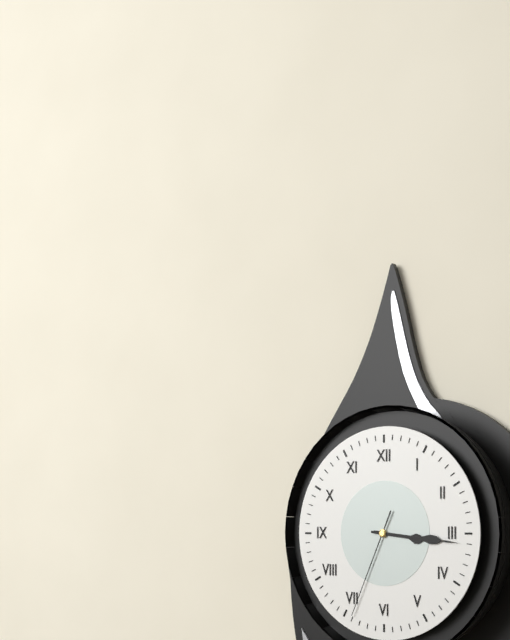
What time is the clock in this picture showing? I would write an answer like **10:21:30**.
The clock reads **3:16:34**
